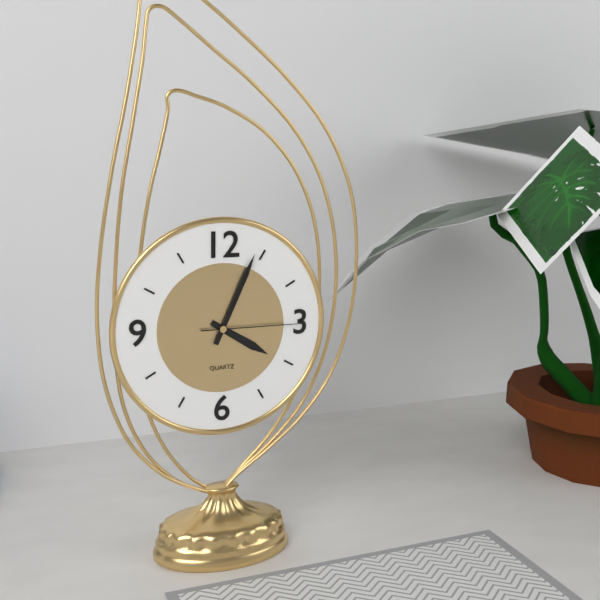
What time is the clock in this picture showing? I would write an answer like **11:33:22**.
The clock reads **4:04:15**
